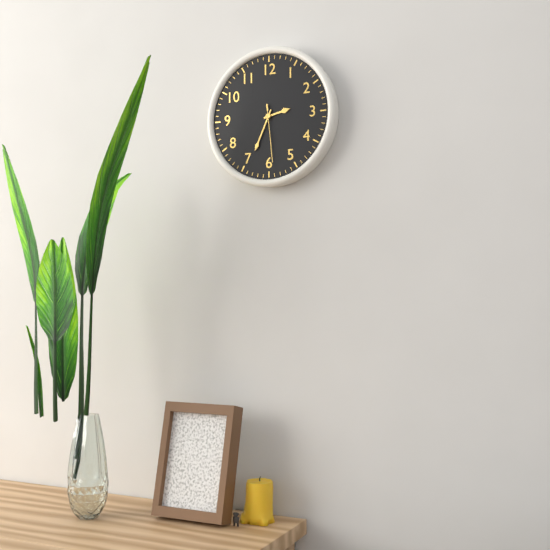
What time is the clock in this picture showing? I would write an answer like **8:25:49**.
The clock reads **2:34:29**
